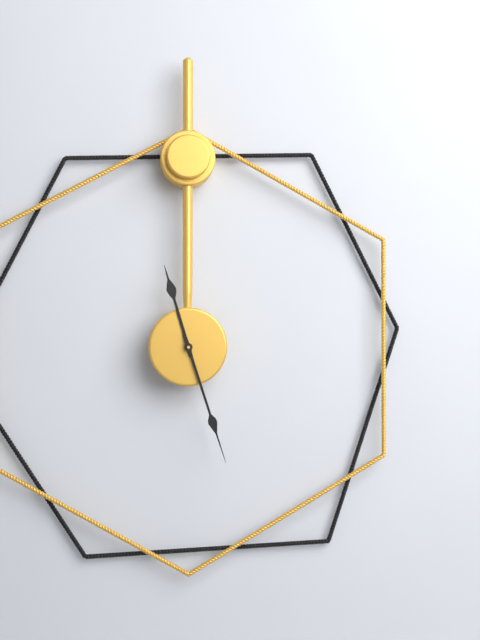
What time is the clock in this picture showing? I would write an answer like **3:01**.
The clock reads **11:27**
